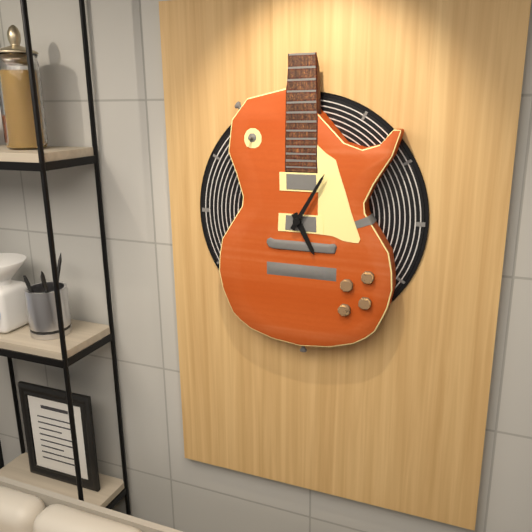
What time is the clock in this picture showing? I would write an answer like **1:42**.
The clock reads **5:05**
